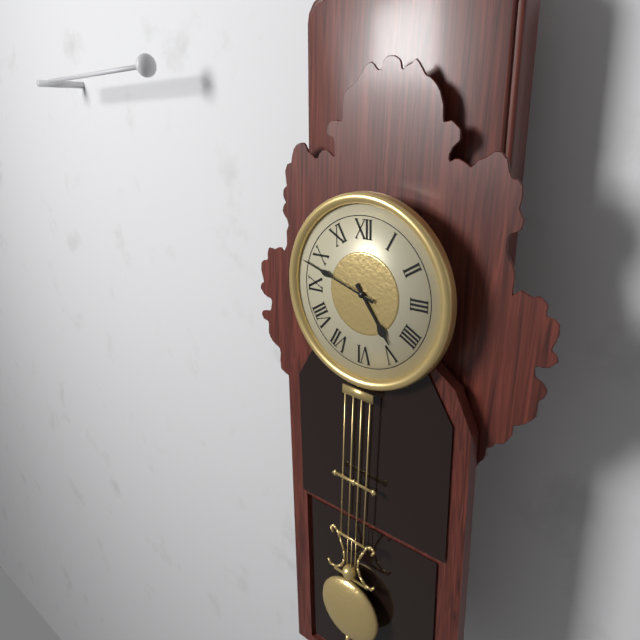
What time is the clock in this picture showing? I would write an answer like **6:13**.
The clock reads **4:48**
